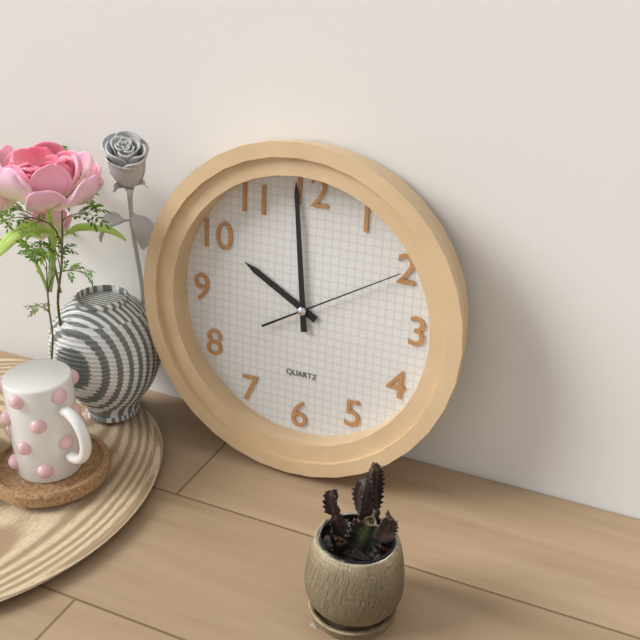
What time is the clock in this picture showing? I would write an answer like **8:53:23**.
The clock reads **9:59:10**
